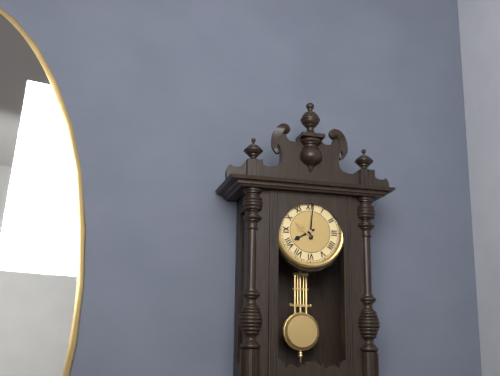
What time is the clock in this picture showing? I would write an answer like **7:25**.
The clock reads **8:01**
